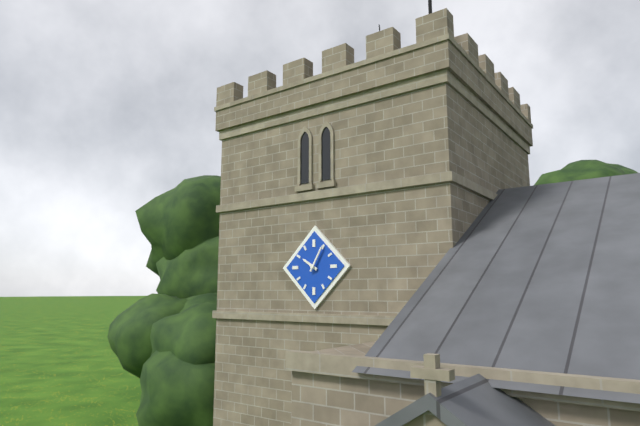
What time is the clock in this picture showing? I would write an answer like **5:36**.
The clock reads **10:05**
